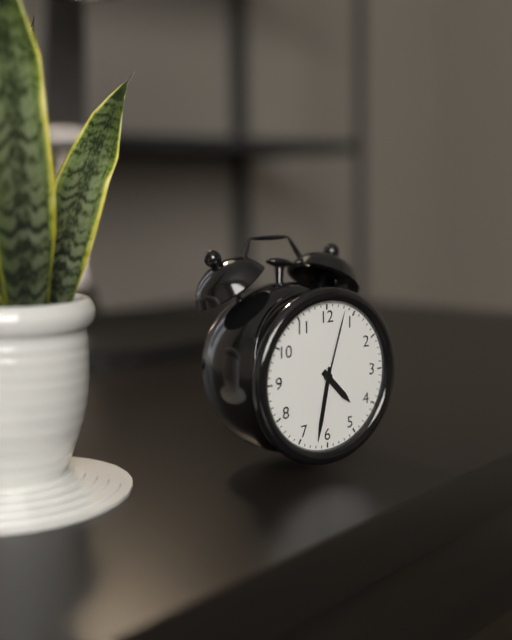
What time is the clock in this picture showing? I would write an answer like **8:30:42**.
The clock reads **4:32:03**
